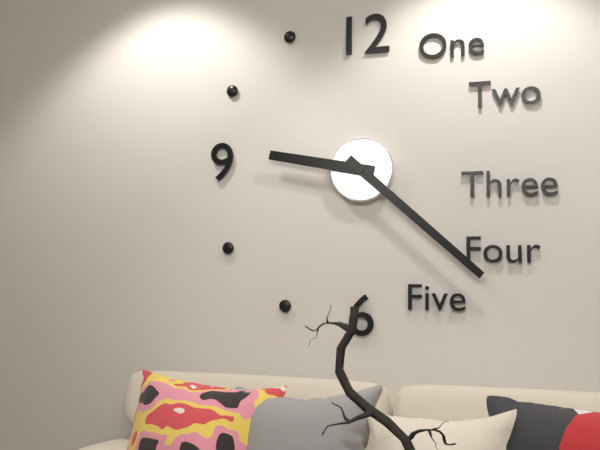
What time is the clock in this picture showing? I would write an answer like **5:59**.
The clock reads **9:22**
